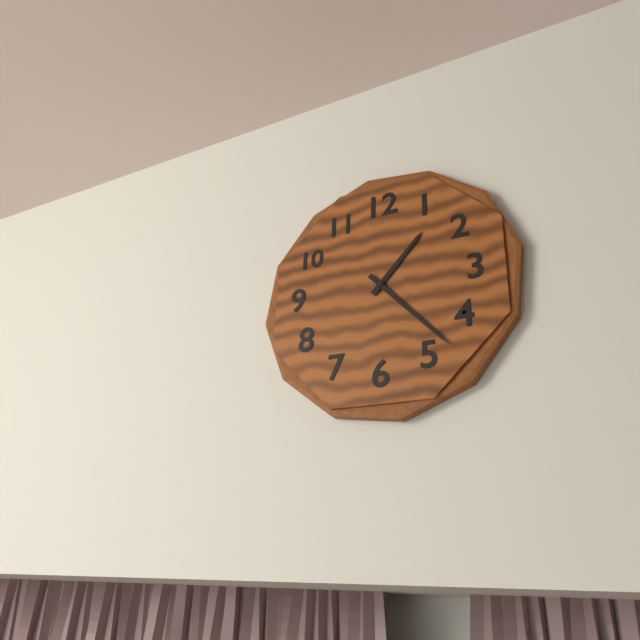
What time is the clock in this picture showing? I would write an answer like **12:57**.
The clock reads **1:23**
